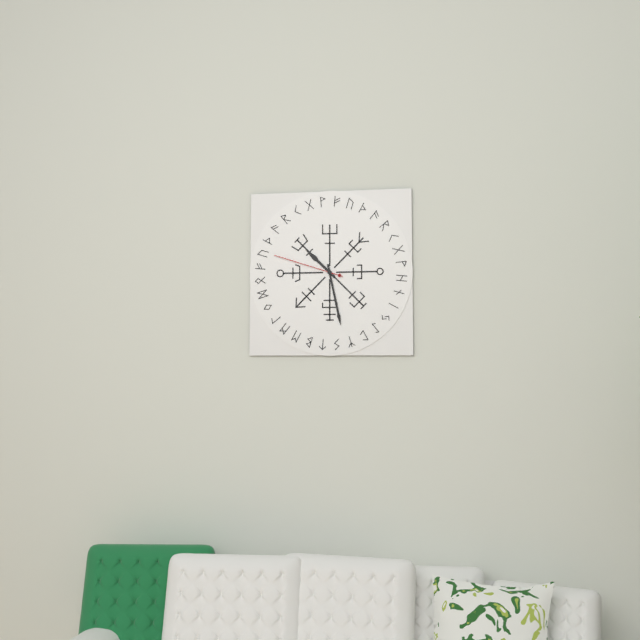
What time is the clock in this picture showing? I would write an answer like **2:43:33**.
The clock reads **10:28:48**
